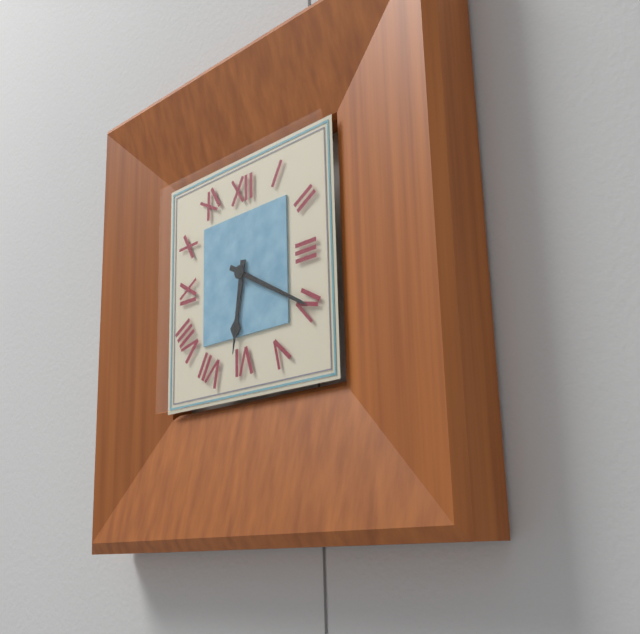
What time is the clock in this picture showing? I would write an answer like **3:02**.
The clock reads **6:20**
